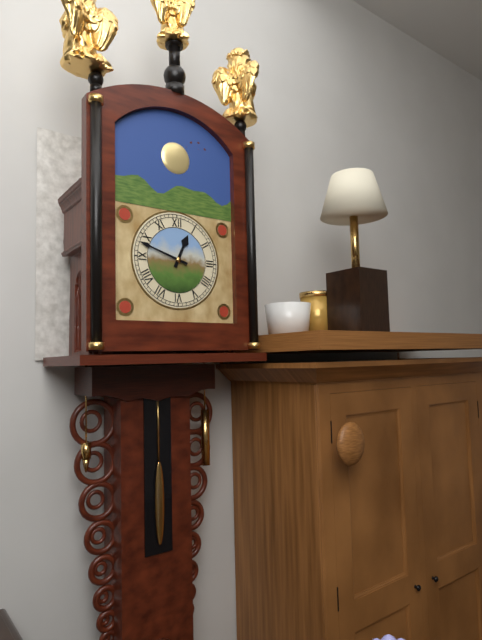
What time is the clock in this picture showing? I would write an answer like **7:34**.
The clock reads **12:48**
